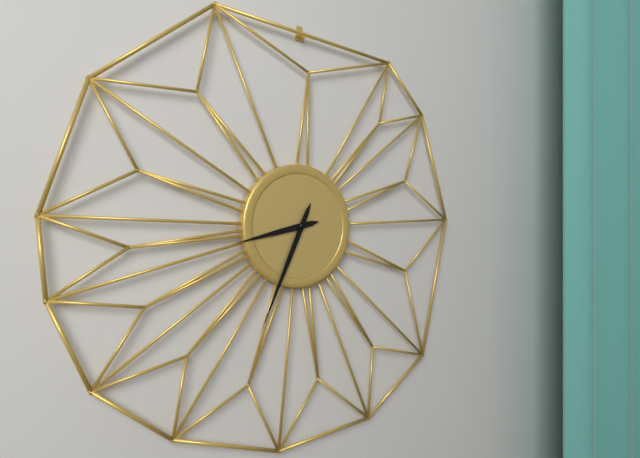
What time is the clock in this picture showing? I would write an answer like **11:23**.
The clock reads **8:34**
